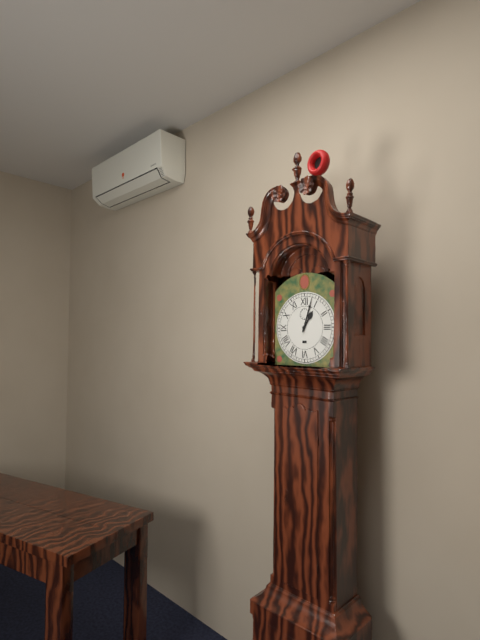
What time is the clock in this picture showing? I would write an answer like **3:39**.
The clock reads **1:03**
